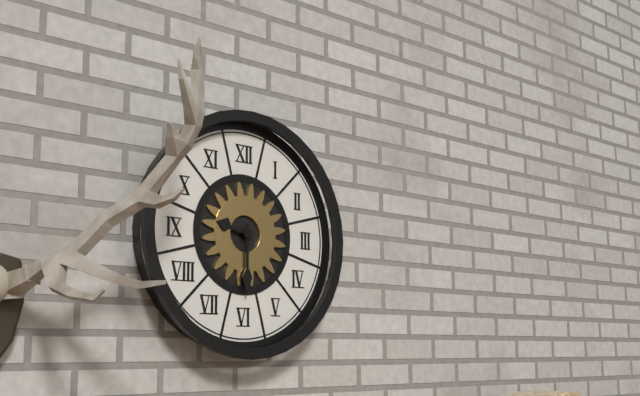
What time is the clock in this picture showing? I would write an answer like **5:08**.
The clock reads **9:30**
